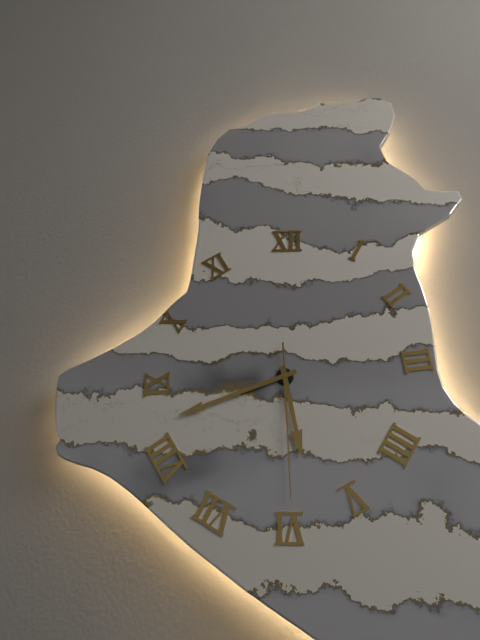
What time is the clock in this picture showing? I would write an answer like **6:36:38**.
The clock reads **5:42:30**
